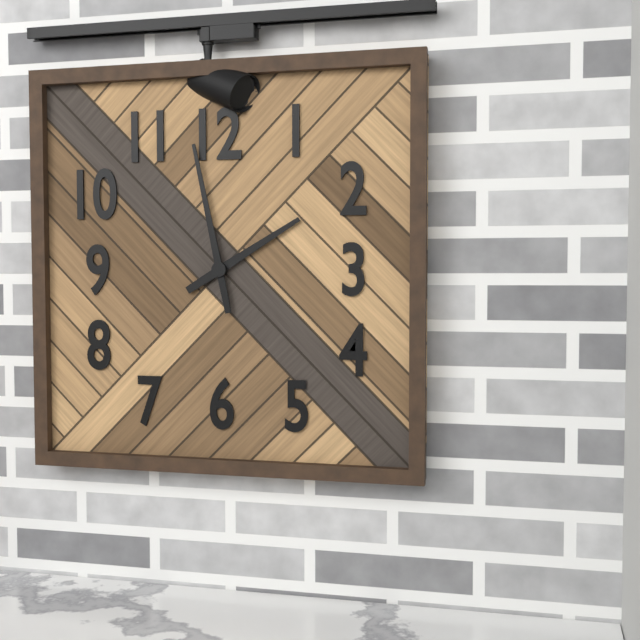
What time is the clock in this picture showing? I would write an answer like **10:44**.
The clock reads **1:58**
